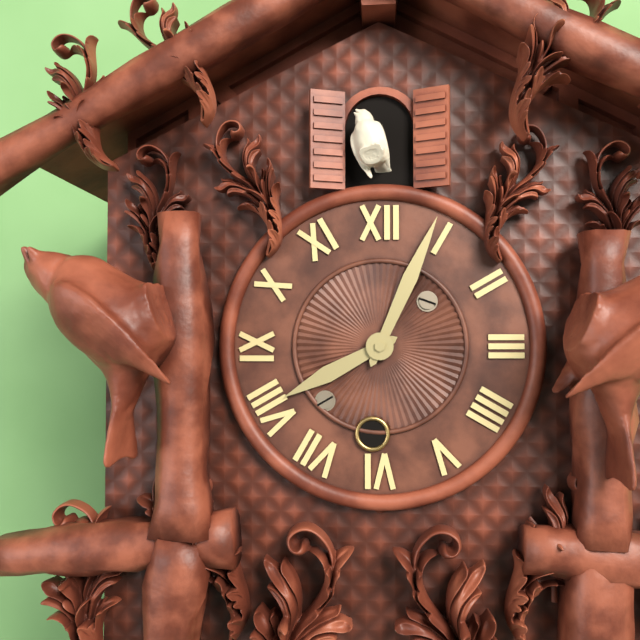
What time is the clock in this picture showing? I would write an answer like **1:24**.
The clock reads **8:04**
